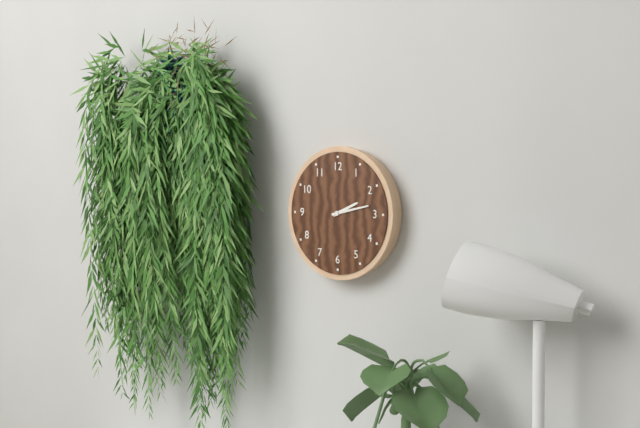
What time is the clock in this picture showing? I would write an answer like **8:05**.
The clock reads **2:13**
